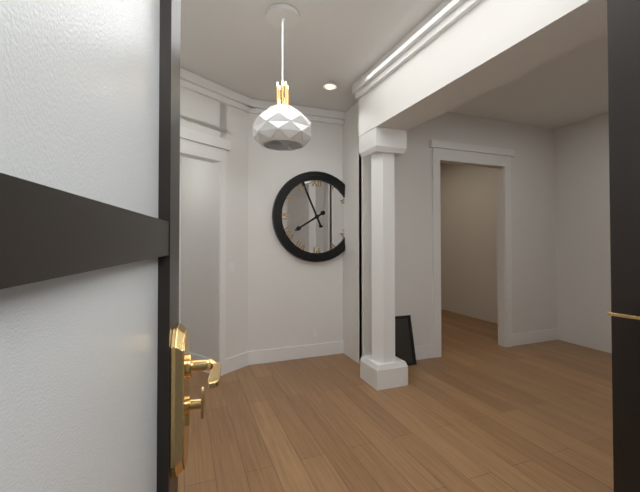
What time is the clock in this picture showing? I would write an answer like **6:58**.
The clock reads **7:56**
